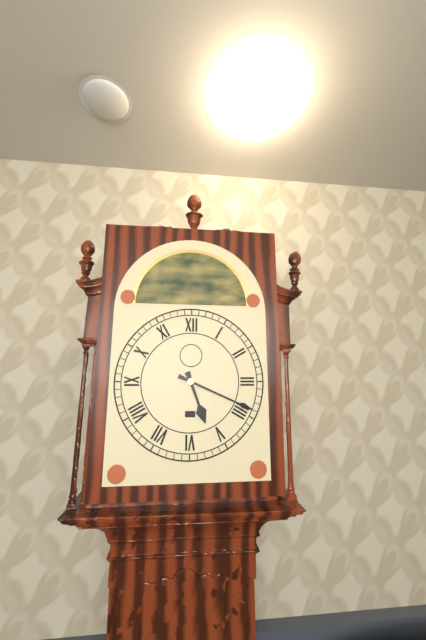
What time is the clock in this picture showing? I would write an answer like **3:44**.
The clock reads **5:19**
